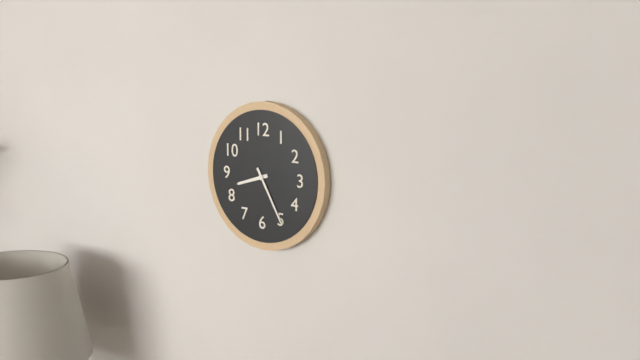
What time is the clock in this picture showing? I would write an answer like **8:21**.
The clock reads **8:25**
